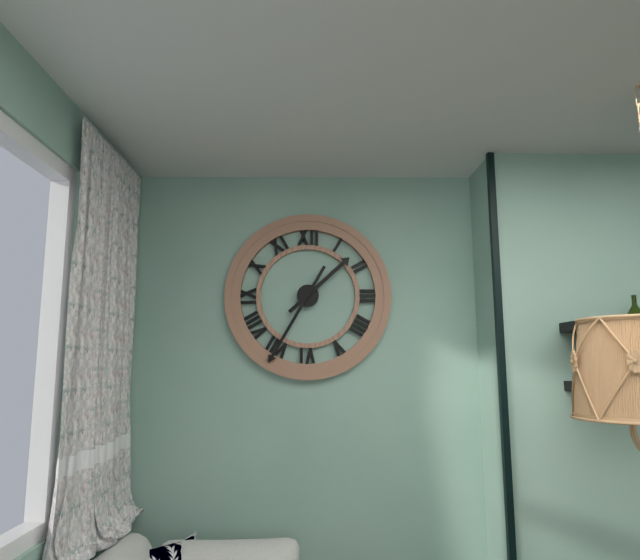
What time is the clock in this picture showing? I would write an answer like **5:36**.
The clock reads **1:35**
